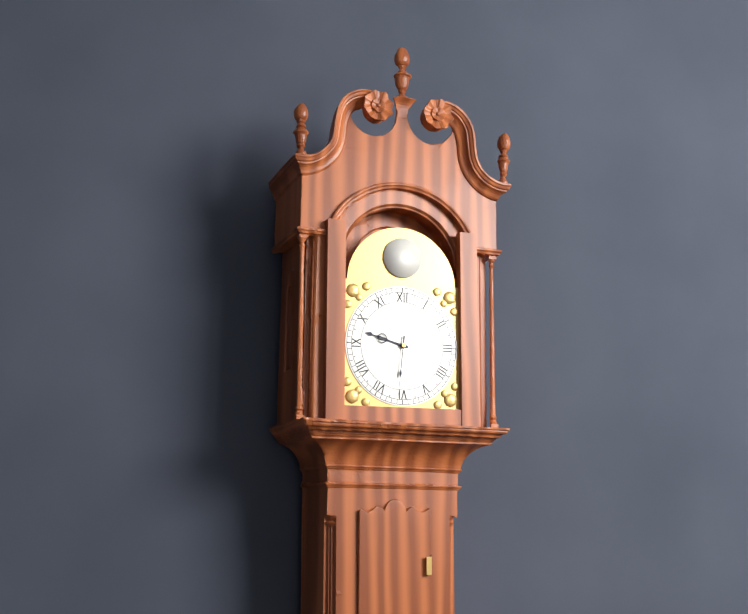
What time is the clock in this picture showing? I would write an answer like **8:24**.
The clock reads **9:31**
